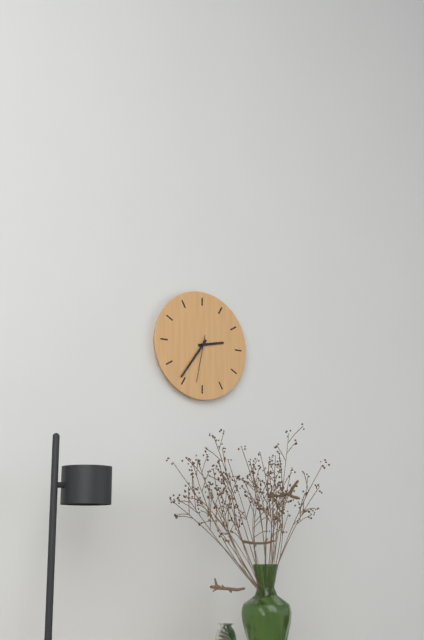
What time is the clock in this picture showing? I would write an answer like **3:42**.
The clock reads **2:36**
